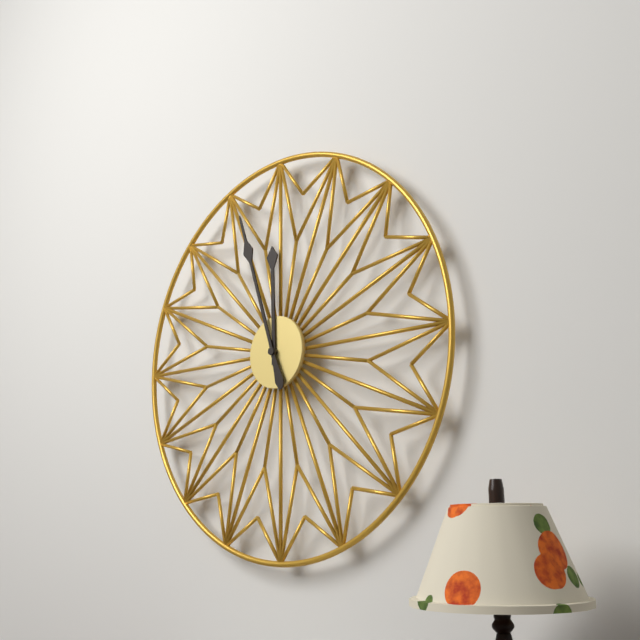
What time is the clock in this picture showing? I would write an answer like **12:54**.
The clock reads **11:57**
